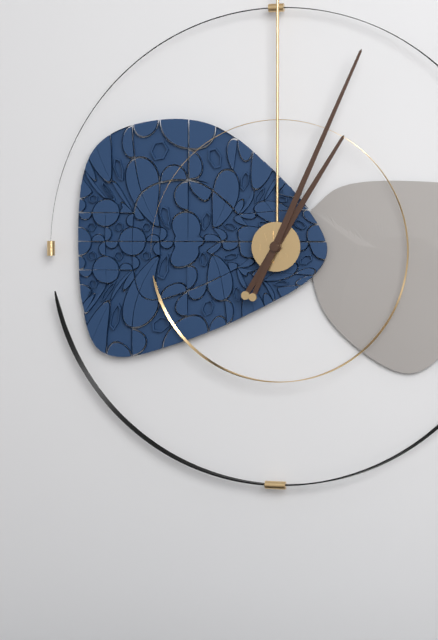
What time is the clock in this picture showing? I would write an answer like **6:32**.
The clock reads **1:04**
